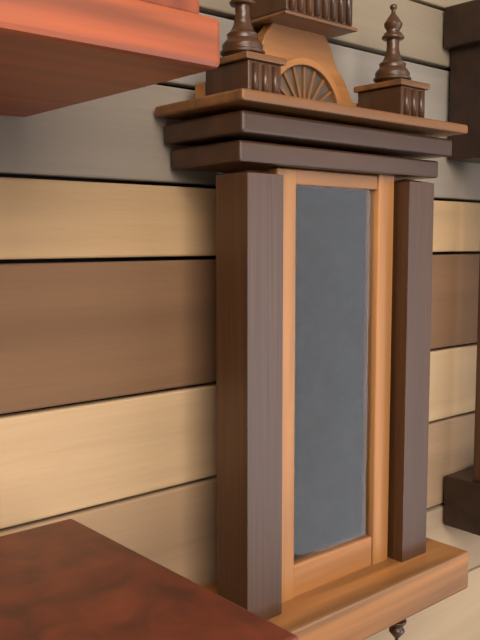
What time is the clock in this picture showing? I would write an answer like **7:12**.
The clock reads **12:44**
